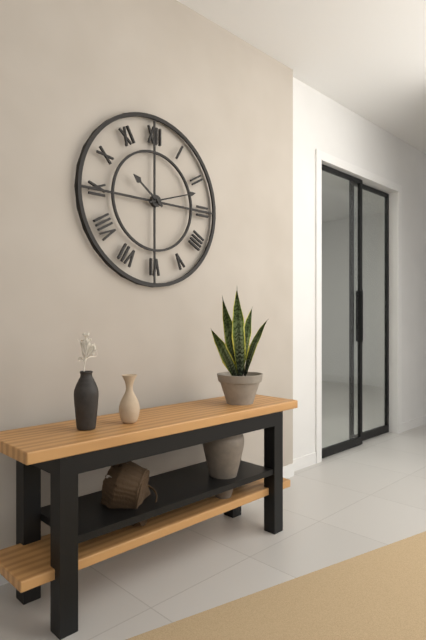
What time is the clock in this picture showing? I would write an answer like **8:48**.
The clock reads **10:12**
